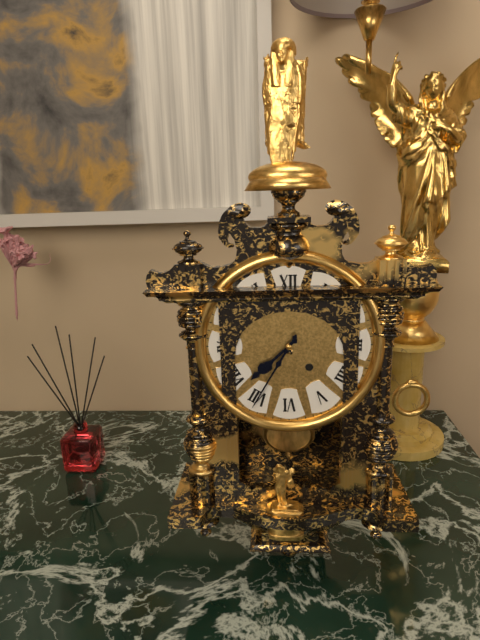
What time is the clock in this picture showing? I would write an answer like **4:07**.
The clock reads **7:35**
